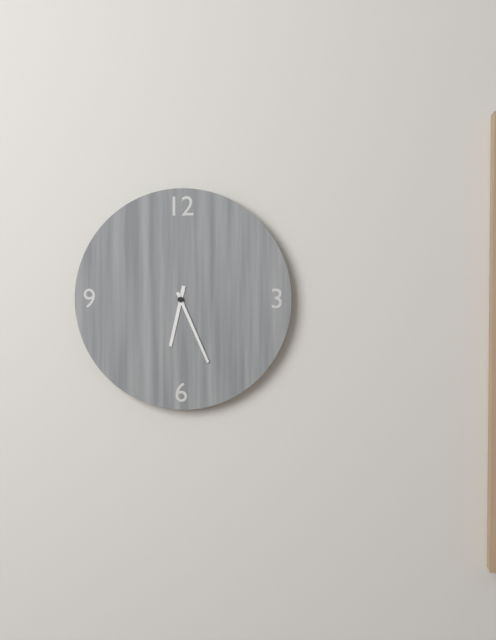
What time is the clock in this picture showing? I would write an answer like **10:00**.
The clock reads **6:26**
